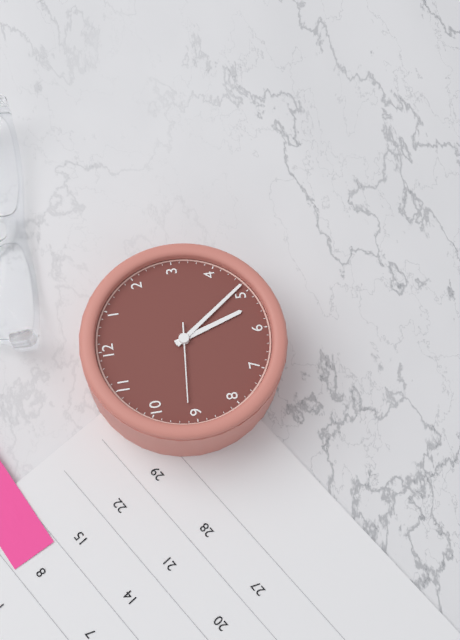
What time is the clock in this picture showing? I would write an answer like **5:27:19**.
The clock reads **5:24:46**
